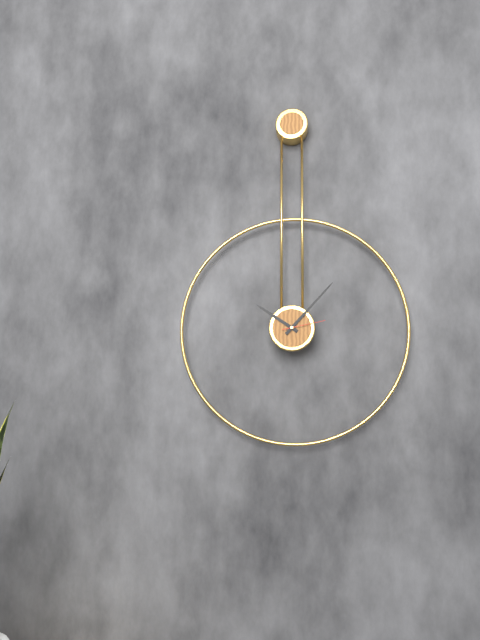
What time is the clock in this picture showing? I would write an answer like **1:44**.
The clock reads **10:07**
